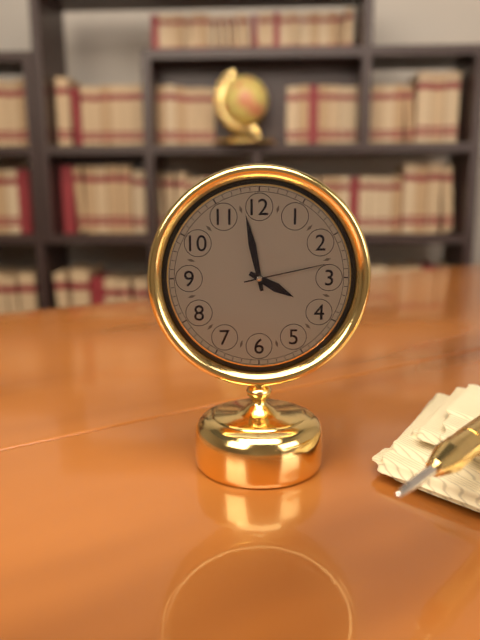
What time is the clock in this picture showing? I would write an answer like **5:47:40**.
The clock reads **3:58:13**
